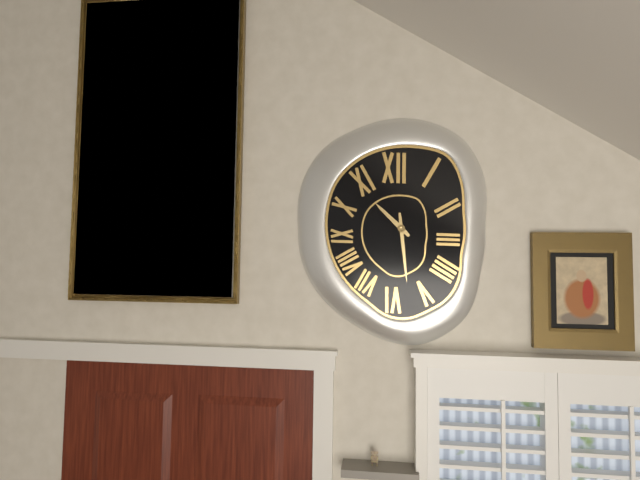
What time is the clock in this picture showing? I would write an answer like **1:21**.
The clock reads **10:29**
